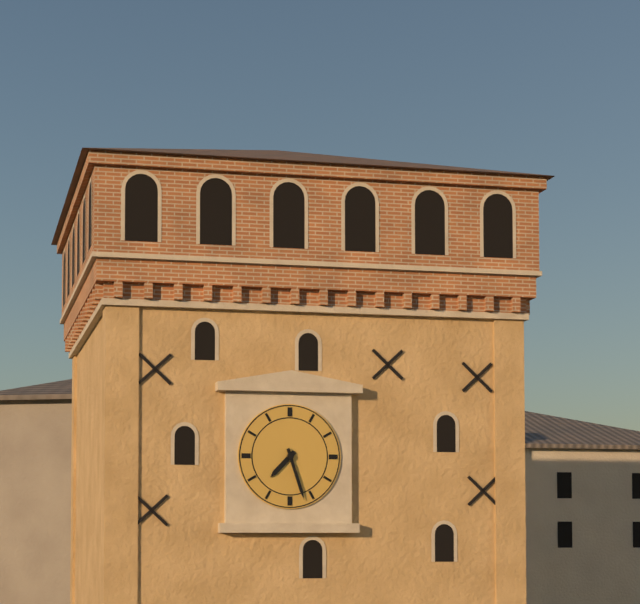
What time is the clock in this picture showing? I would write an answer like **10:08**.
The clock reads **7:27**
